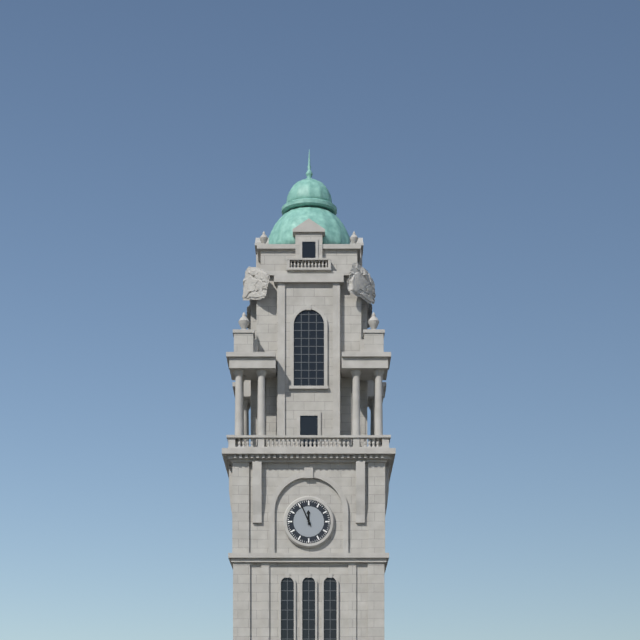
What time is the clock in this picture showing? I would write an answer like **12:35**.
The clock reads **11:56**
